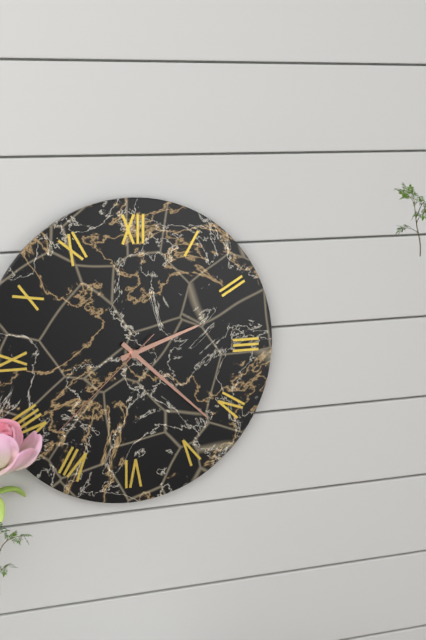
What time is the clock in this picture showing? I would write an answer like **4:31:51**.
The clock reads **2:22:38**
